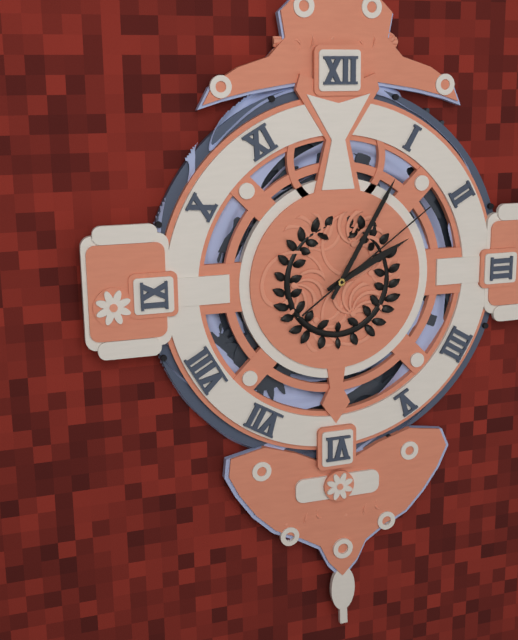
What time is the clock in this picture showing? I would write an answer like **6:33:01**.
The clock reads **2:05:09**
